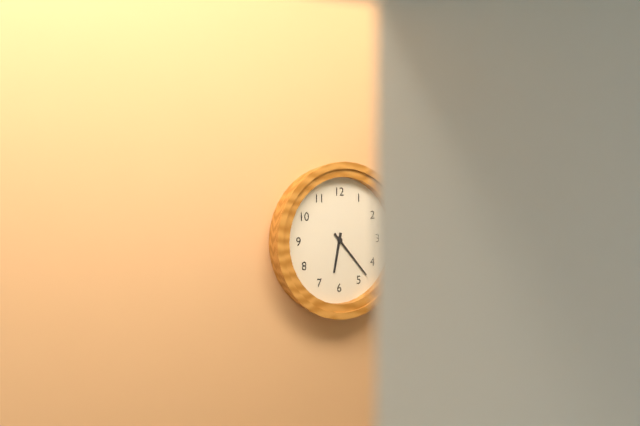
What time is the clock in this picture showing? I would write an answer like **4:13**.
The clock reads **6:23**
